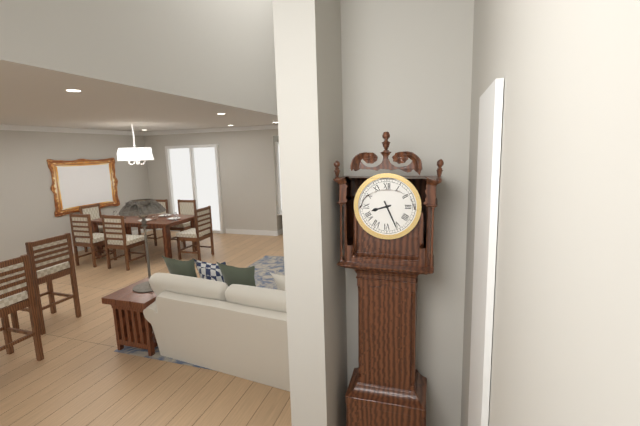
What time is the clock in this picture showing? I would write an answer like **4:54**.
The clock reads **8:26**
